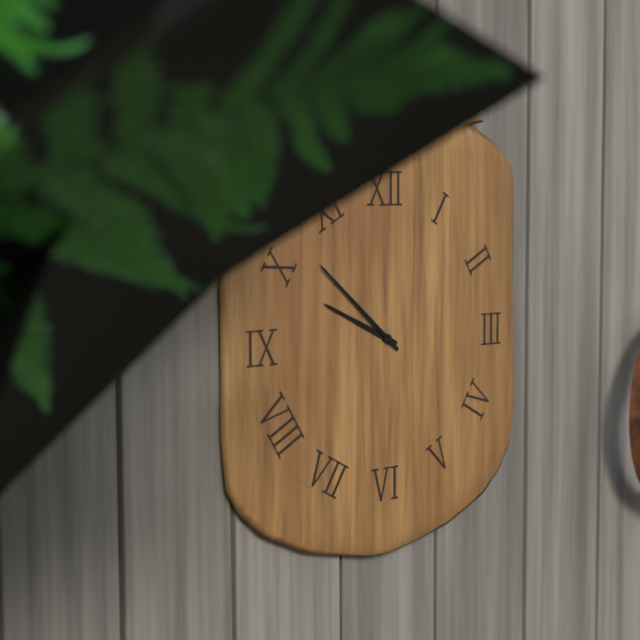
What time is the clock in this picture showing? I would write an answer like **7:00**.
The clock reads **9:52**
